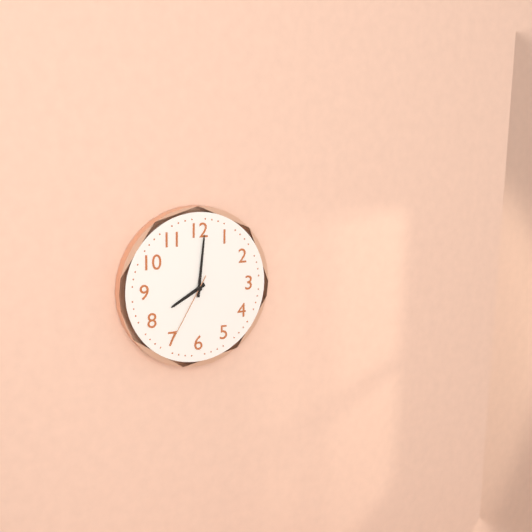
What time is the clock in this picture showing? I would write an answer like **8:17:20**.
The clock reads **8:01:35**
